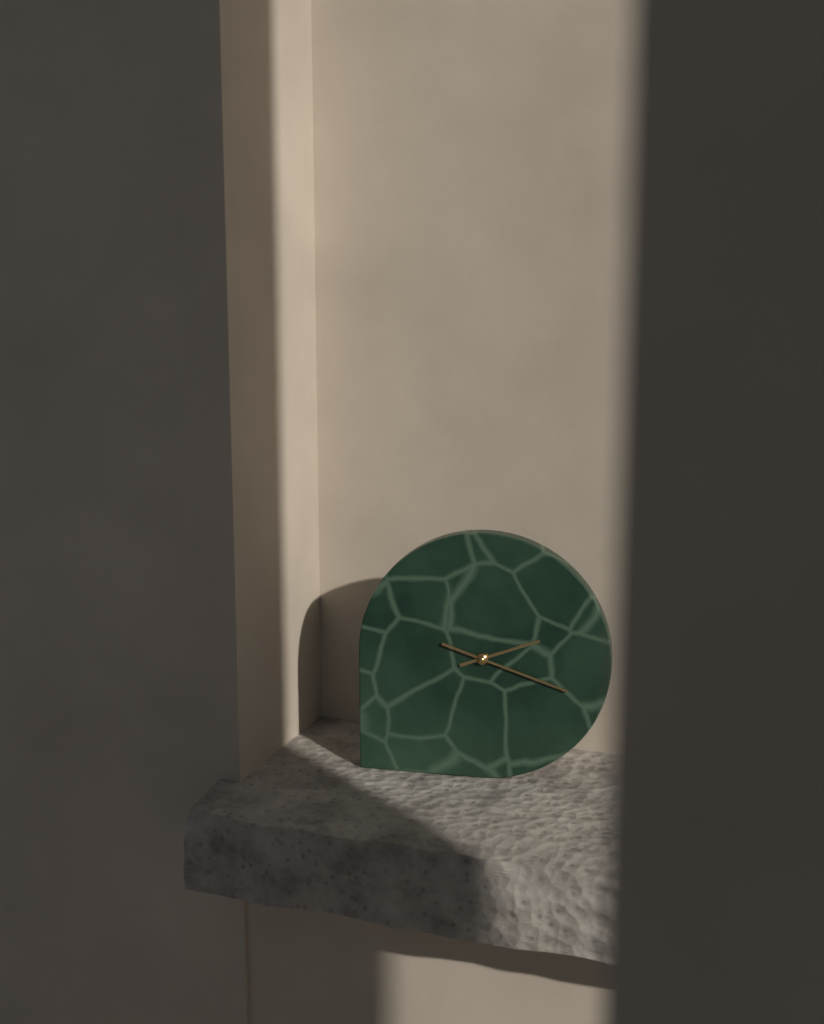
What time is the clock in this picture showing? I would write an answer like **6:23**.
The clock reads **2:18**
